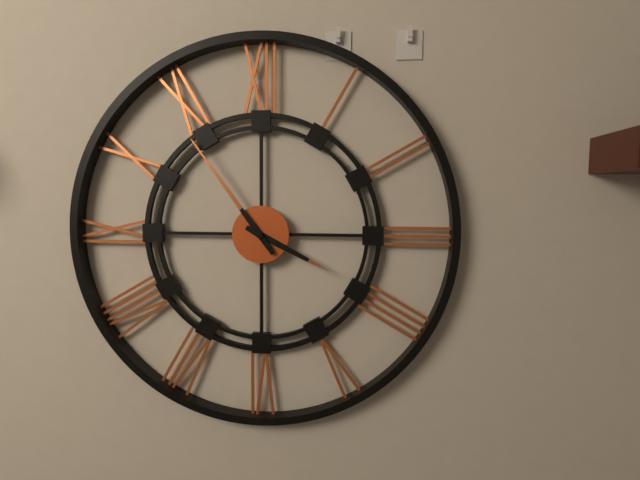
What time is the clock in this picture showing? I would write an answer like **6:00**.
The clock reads **3:54**
